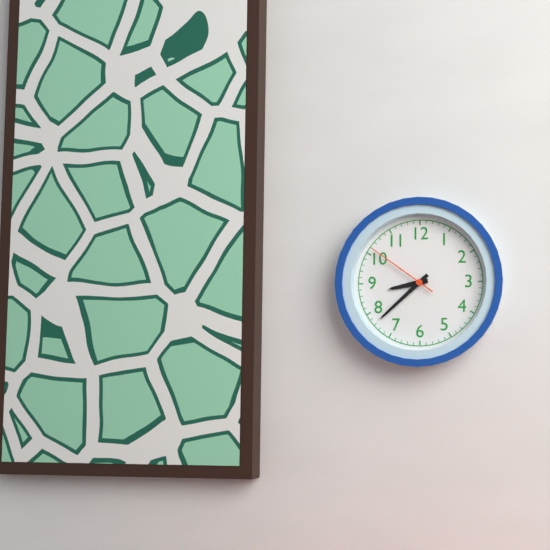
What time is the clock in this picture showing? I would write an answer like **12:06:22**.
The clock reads **8:38:51**
